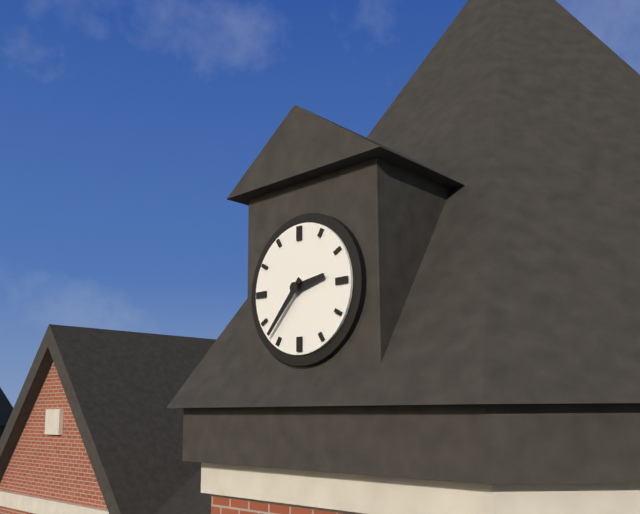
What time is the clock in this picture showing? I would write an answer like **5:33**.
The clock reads **2:37**
